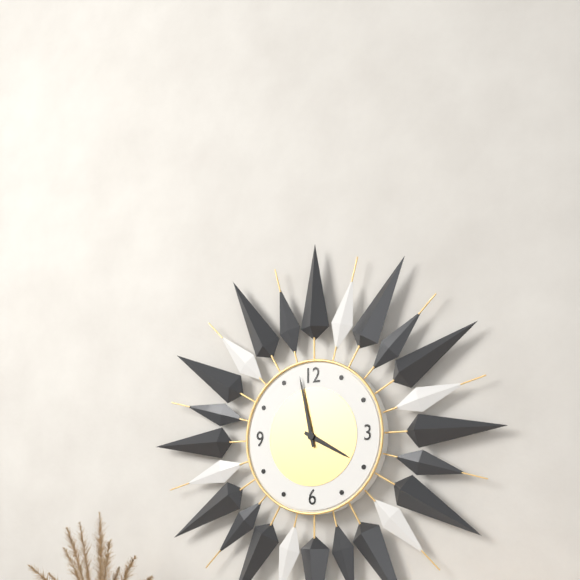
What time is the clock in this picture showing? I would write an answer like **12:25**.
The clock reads **3:58**
